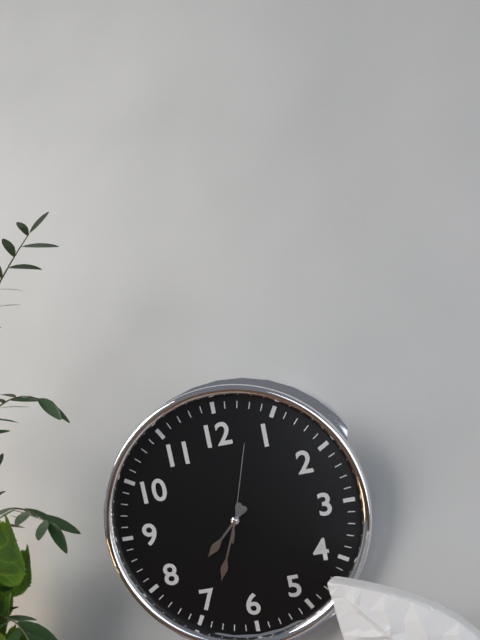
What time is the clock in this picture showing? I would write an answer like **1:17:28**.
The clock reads **7:34:03**
